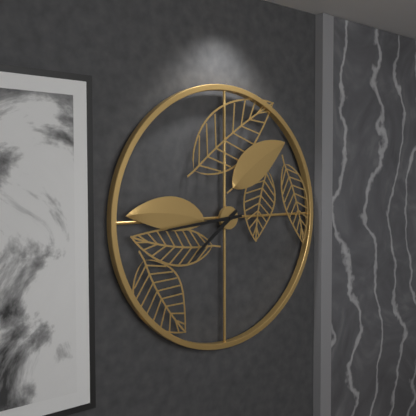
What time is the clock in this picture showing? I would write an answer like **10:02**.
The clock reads **7:44**
